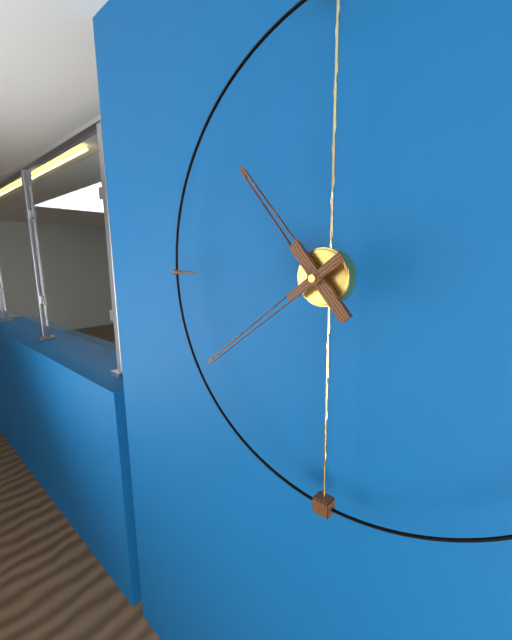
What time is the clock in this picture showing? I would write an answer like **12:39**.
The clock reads **10:39**
